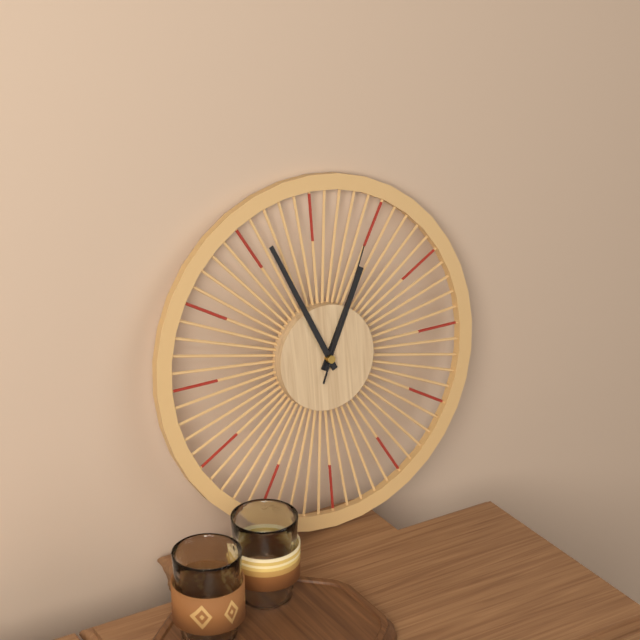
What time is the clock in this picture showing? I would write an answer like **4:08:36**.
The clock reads **12:56:04**
